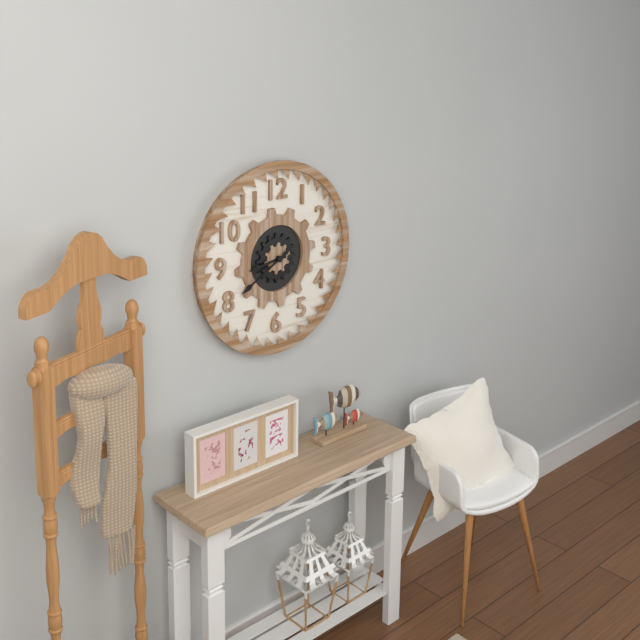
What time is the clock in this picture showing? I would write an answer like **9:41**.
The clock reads **8:40**
